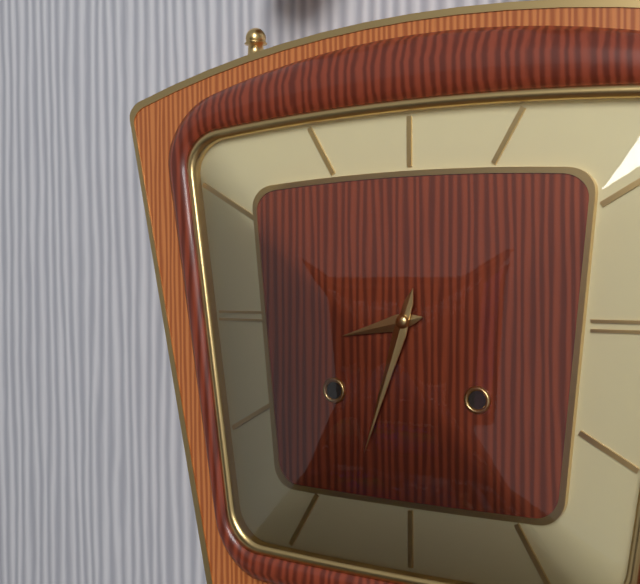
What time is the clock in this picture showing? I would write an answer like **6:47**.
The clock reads **8:33**
